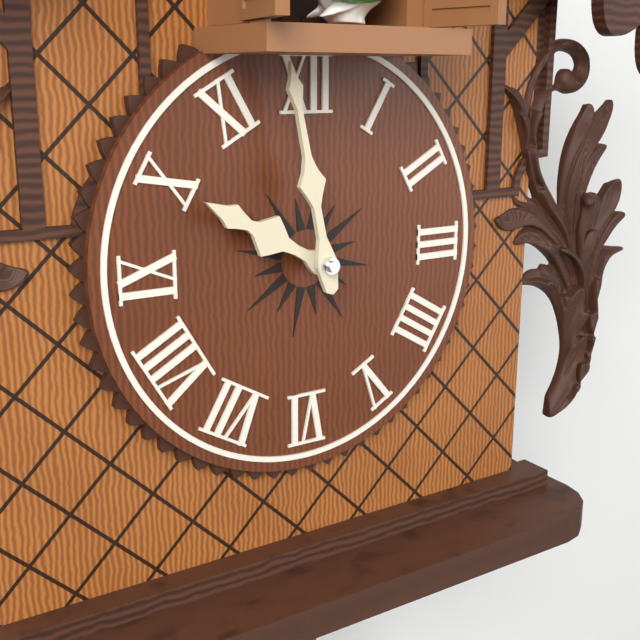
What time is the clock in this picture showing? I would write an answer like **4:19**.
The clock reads **9:58**
